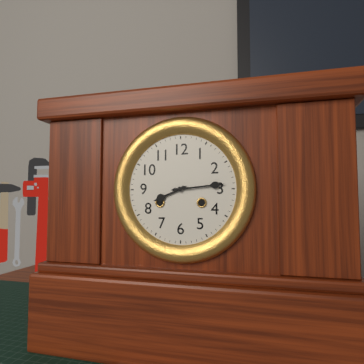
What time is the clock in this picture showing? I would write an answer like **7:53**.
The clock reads **8:14**
